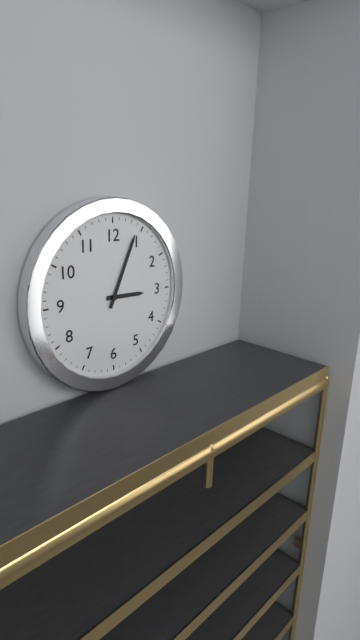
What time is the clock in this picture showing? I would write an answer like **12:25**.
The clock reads **3:04**
